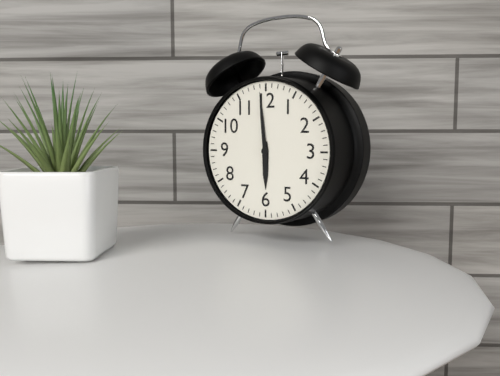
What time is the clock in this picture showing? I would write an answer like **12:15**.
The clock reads **5:59**
